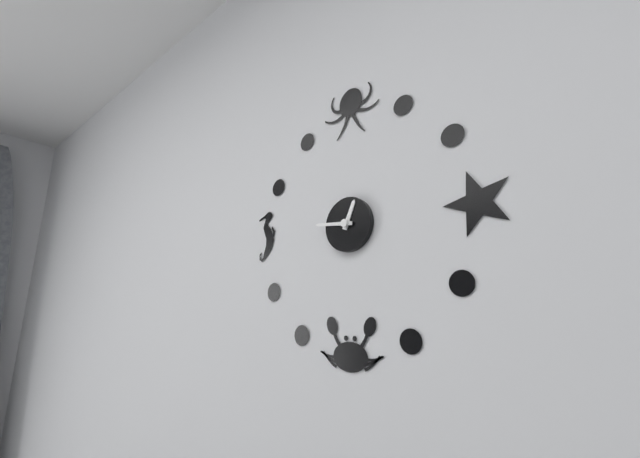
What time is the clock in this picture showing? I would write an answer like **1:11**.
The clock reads **12:46**
